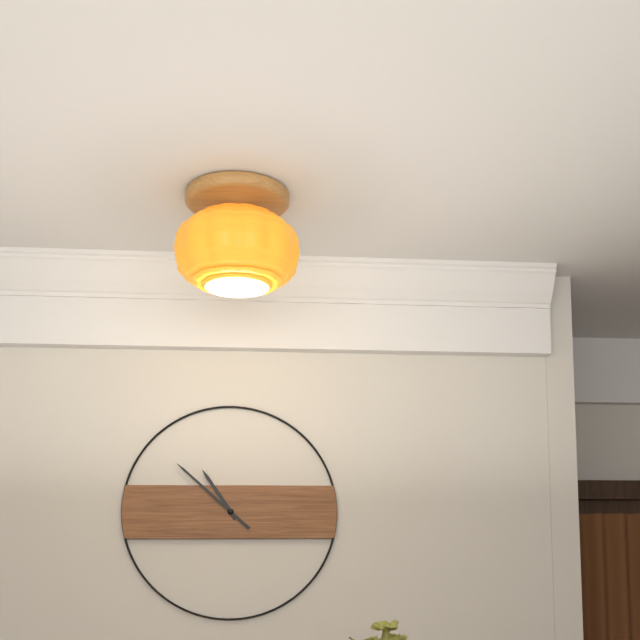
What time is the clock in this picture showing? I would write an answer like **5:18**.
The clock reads **10:52**
